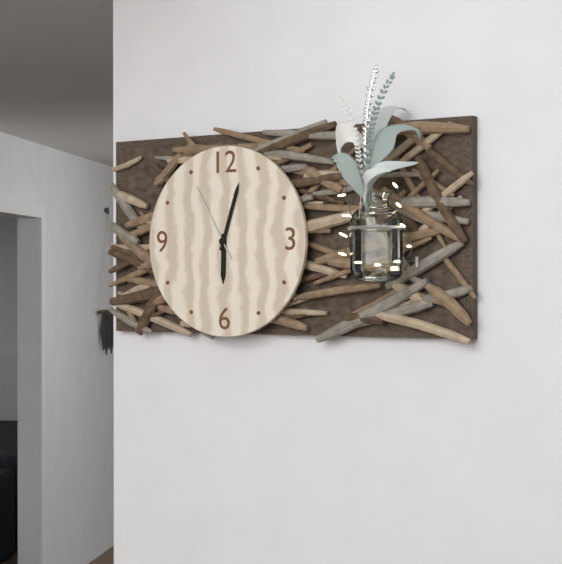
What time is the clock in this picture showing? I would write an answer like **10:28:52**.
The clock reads **6:03:55**
